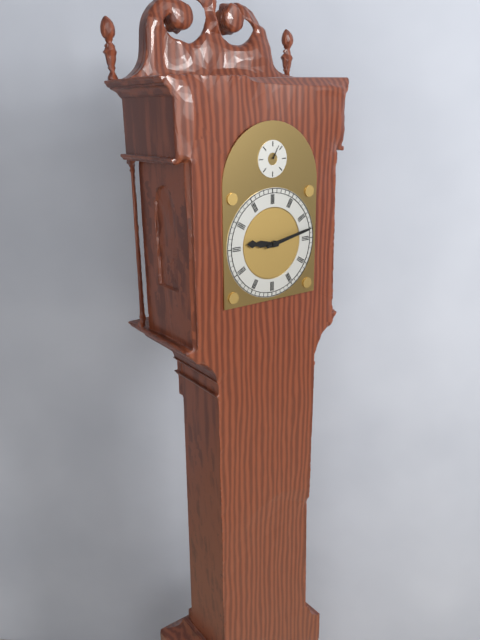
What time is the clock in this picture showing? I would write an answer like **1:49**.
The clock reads **9:13**
